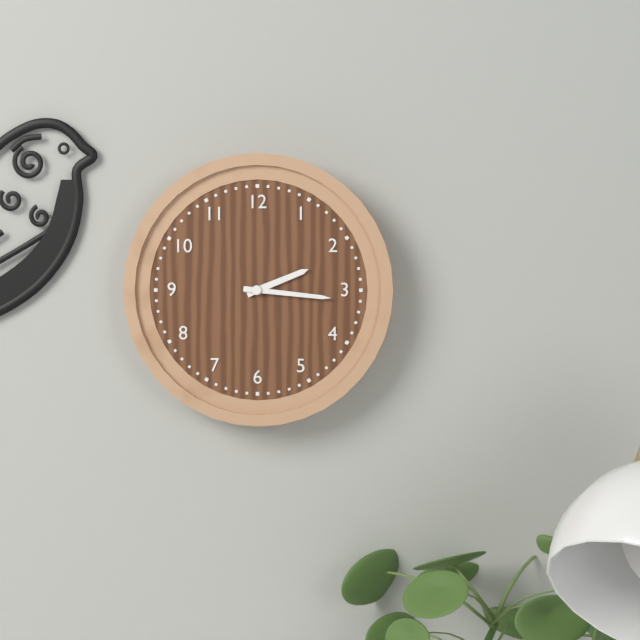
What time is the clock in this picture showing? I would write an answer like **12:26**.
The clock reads **2:16**
